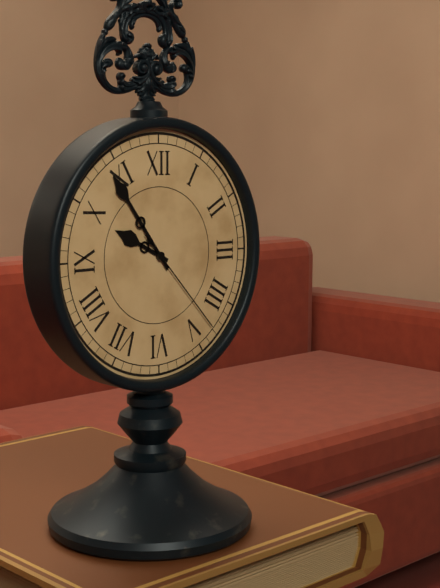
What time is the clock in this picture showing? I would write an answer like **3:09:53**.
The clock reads **9:54:23**
